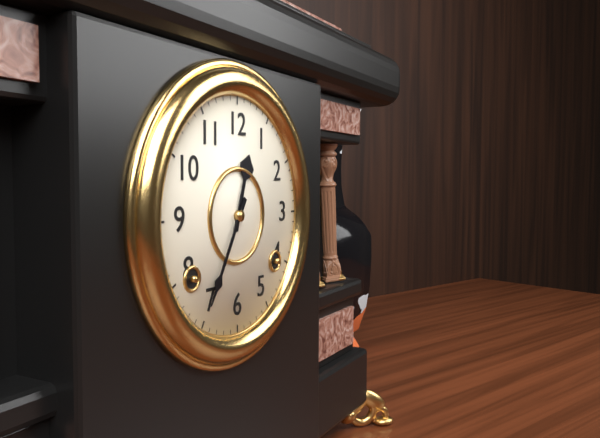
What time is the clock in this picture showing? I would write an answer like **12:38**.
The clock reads **12:35**
